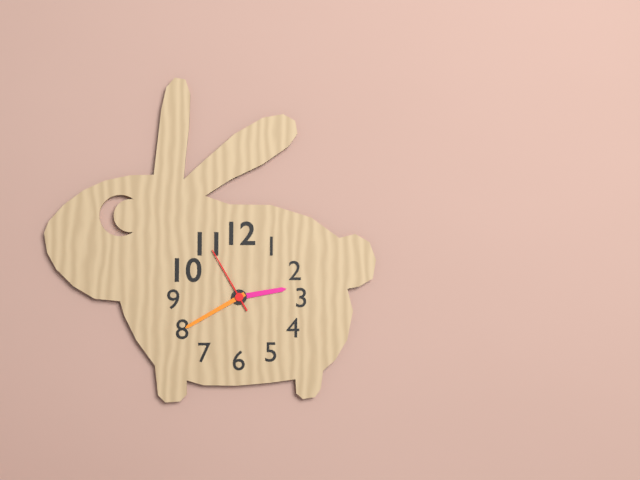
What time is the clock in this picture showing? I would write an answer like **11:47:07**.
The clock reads **2:40:55**
